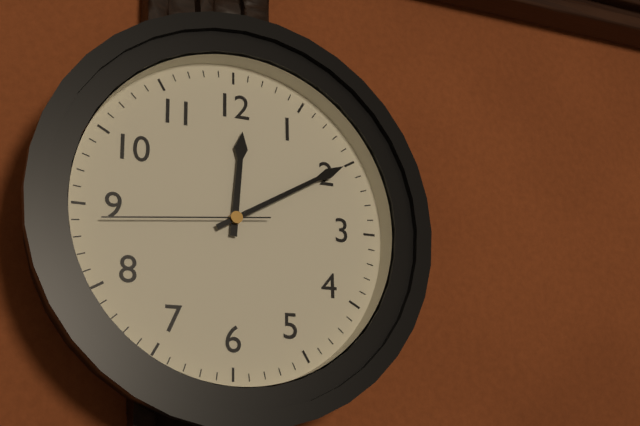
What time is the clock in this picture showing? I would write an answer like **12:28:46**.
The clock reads **12:10:44**
